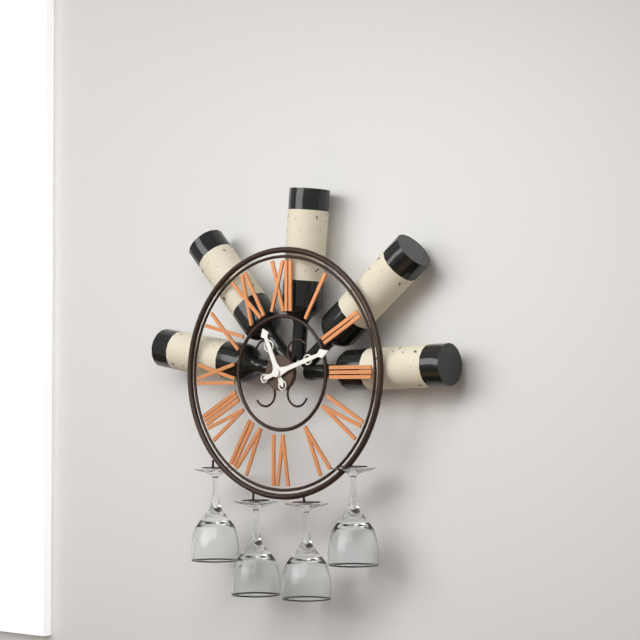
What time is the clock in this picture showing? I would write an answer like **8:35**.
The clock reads **11:12**
